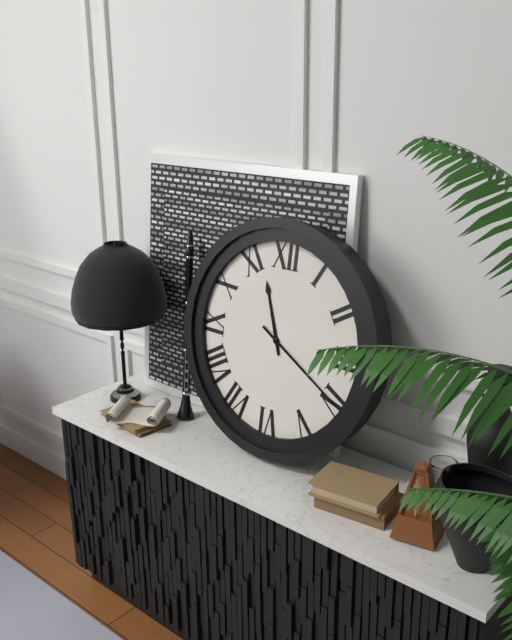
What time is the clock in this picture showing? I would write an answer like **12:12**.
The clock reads **11:20**
